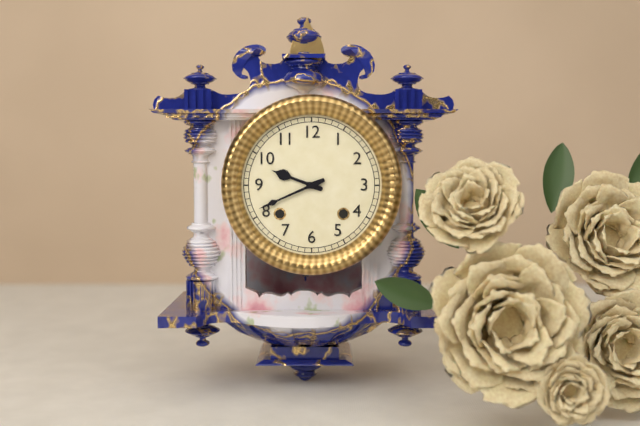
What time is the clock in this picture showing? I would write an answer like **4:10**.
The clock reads **9:41**
